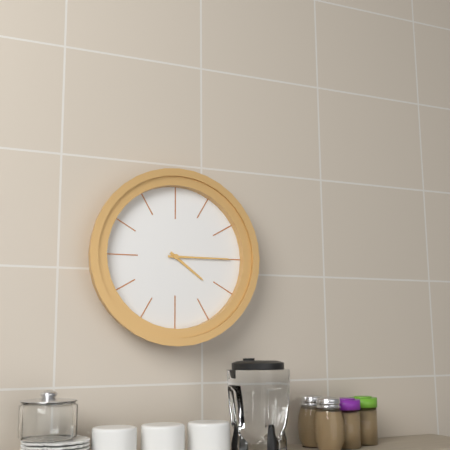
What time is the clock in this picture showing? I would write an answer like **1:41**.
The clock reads **4:15**
